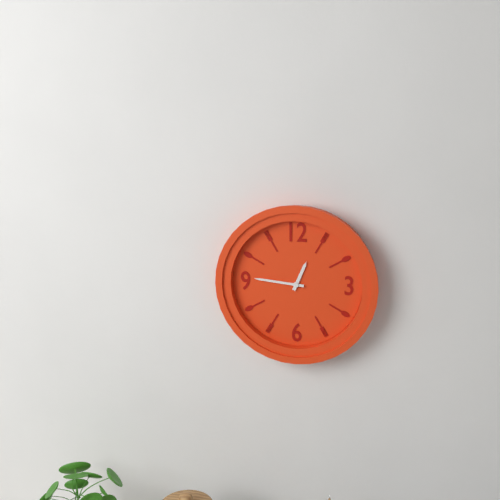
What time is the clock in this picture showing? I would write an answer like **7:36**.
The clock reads **12:46**
